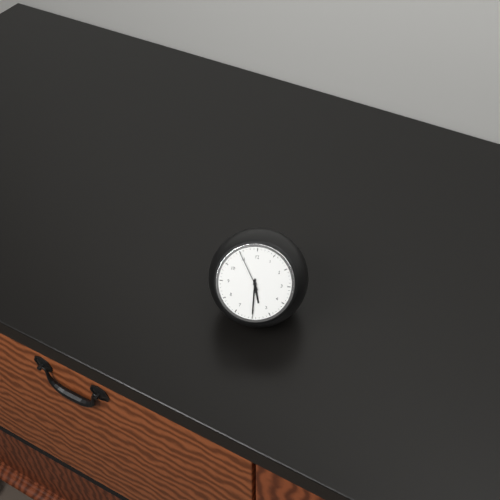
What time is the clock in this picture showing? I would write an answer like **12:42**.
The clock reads **5:30**
